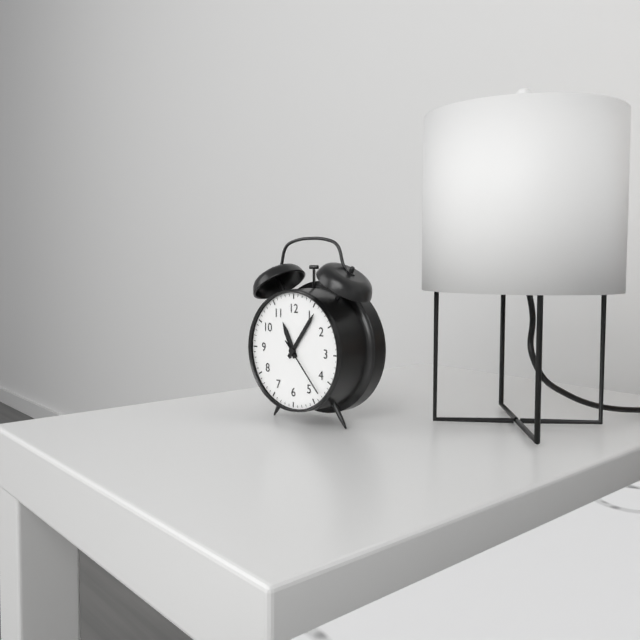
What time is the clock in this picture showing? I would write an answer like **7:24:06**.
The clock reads **11:06:23**
